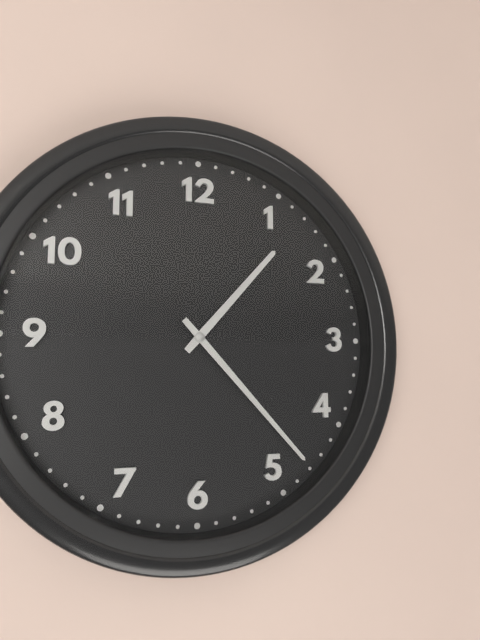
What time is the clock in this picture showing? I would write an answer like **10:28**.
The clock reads **1:23**
